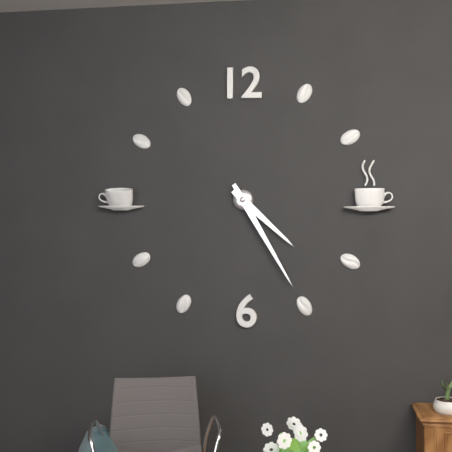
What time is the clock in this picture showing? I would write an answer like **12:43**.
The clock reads **4:25**
